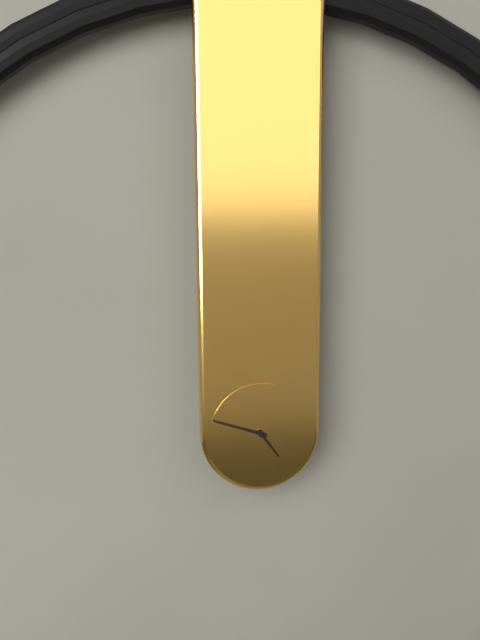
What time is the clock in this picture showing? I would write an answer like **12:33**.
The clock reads **4:48**
